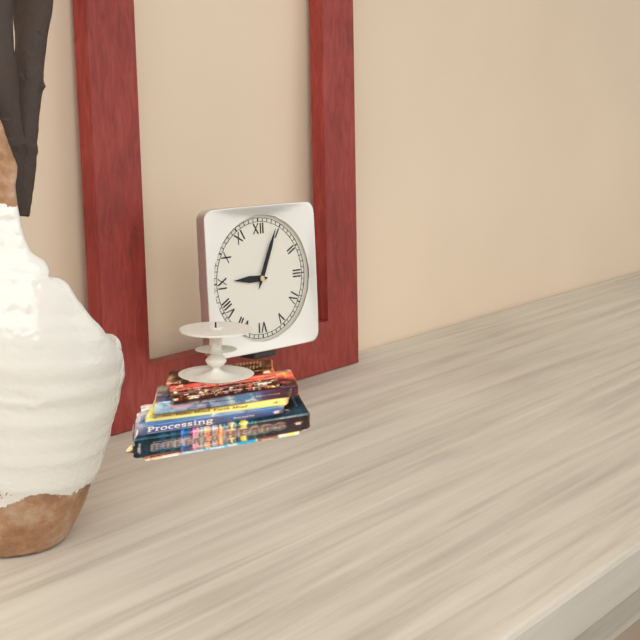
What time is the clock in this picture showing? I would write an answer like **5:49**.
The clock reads **9:04**
